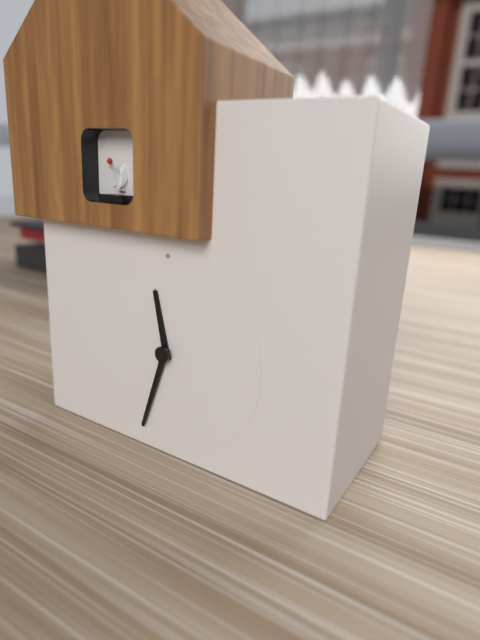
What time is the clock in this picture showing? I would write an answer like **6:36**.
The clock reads **11:33**
